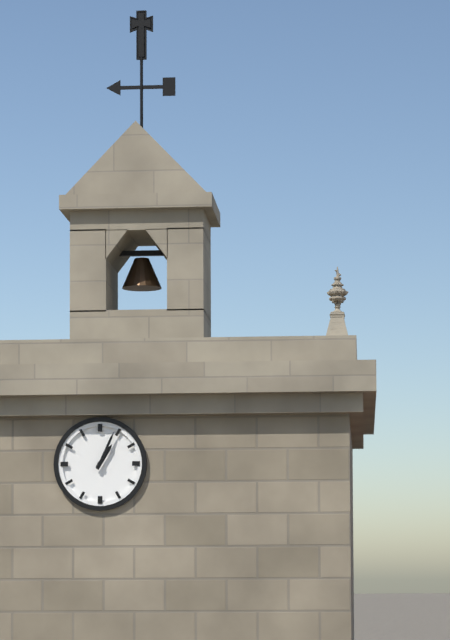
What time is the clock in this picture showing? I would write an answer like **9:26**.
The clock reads **1:04**
